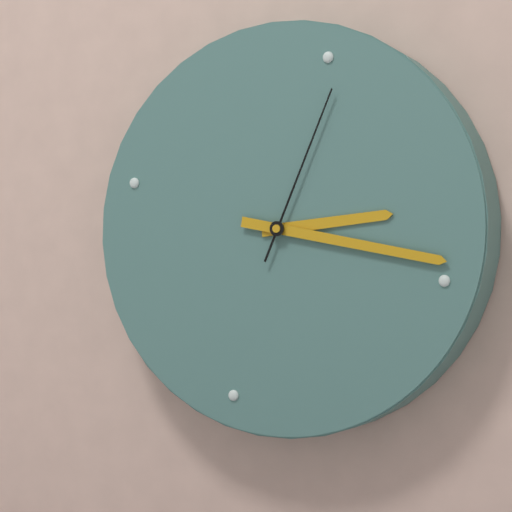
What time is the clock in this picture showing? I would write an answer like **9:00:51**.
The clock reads **2:14:01**
